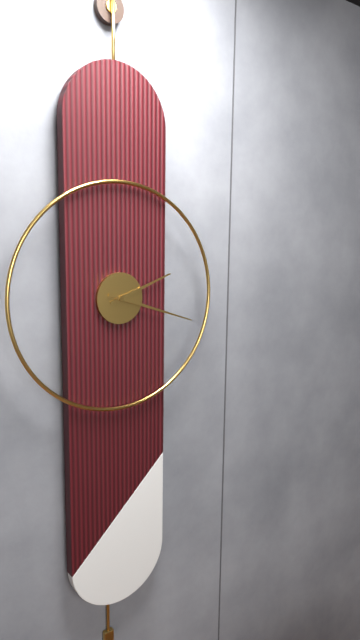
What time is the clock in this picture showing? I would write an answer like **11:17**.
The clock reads **2:18**
